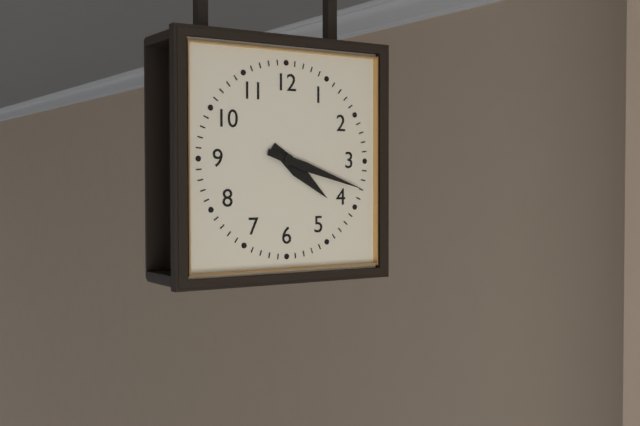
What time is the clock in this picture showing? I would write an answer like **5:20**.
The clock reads **4:18**
